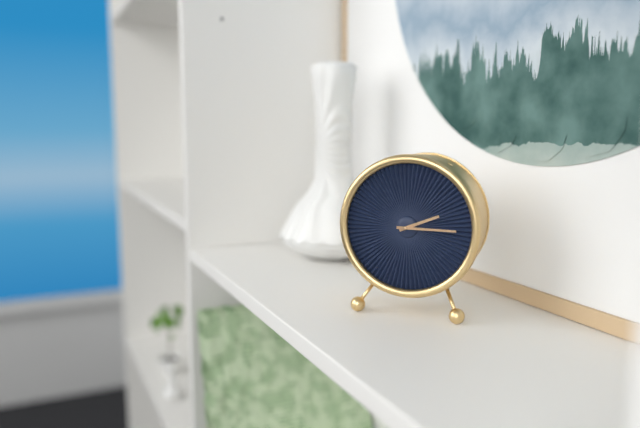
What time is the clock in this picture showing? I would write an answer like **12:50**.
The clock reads **2:15**
